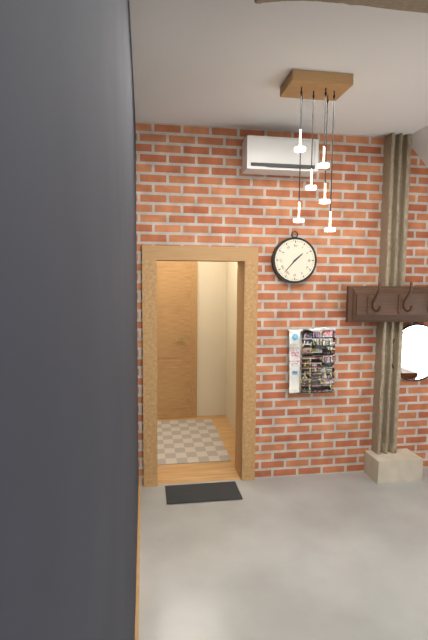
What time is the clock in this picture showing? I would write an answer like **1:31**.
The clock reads **1:37**
